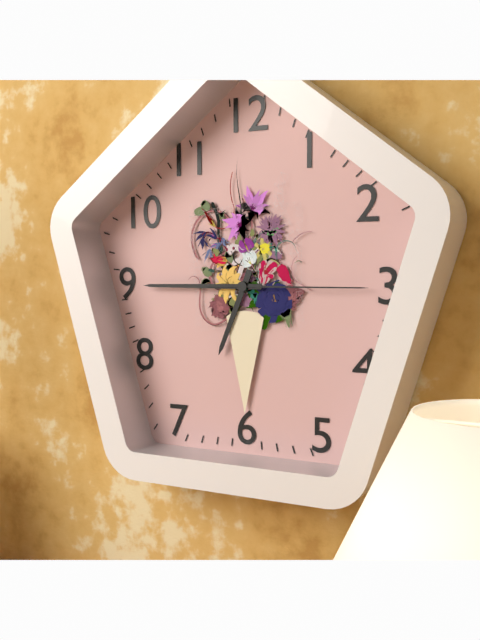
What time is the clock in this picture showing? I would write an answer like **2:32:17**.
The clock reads **6:45:15**
